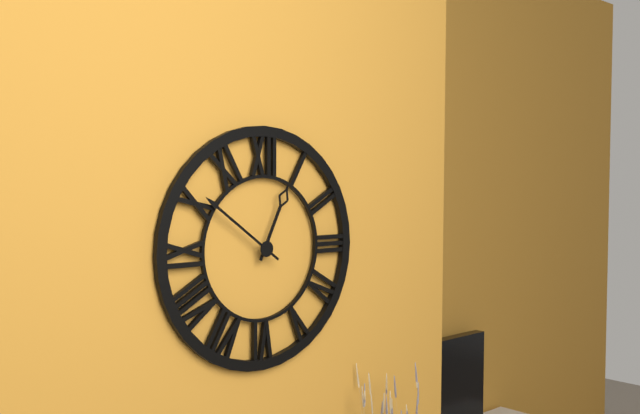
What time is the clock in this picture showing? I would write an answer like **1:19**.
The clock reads **12:51**
